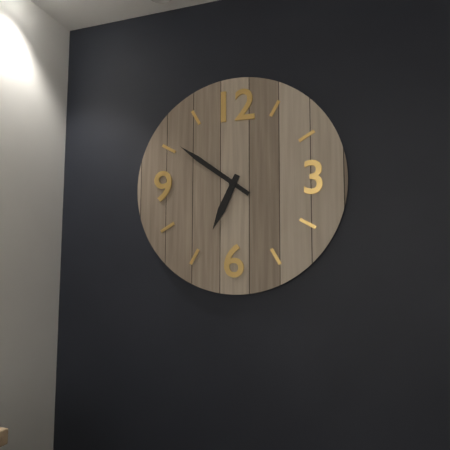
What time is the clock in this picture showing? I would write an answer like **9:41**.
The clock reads **6:51**
